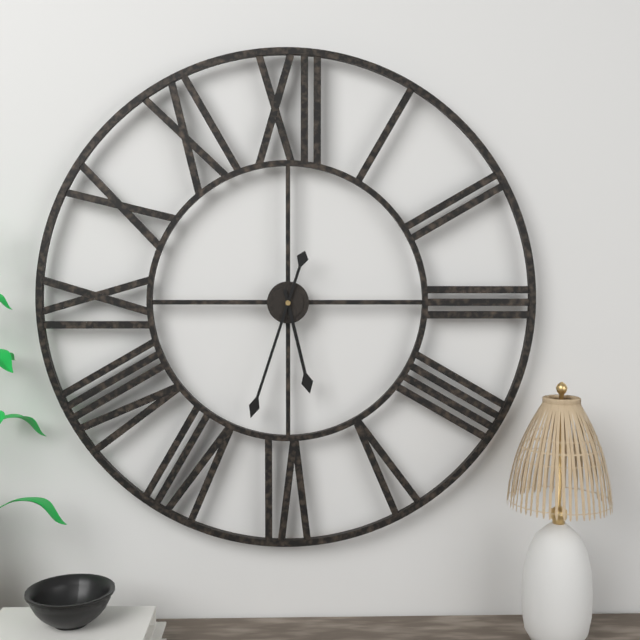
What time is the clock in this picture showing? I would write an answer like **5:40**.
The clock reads **5:33**
